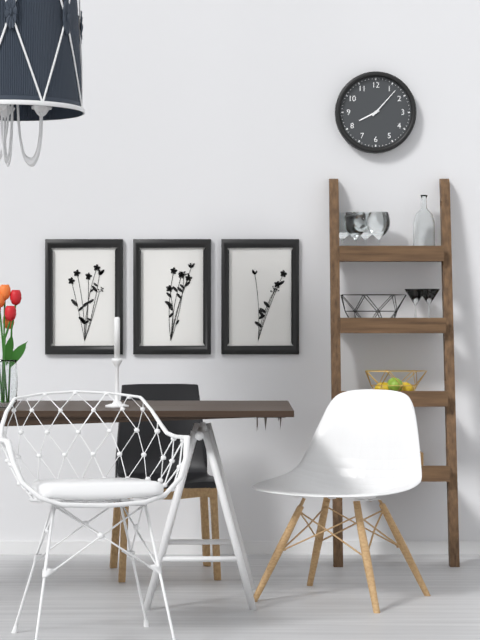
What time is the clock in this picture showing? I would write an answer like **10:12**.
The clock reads **8:07**
